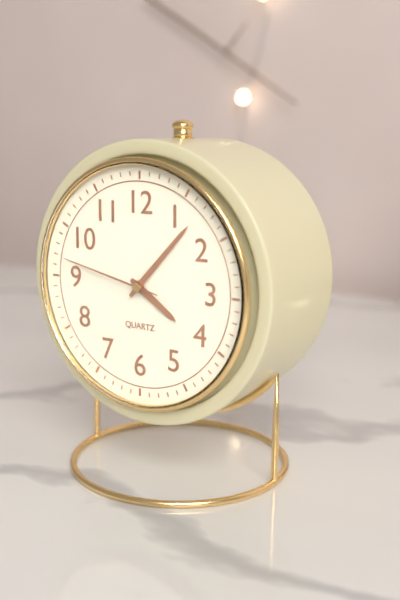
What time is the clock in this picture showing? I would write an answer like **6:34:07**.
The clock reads **4:07:47**
